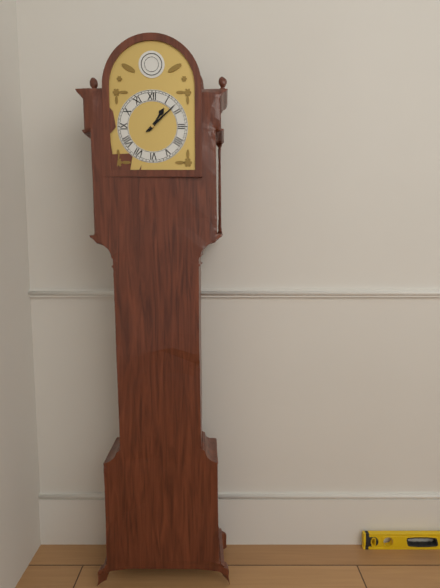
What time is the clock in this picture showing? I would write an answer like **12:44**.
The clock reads **1:08**
